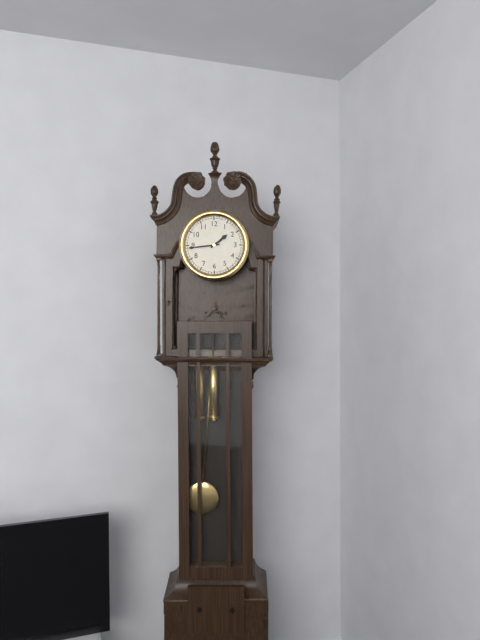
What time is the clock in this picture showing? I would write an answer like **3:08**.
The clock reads **1:44**
